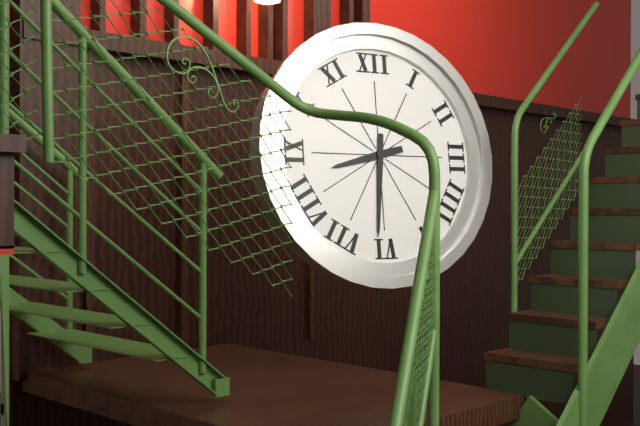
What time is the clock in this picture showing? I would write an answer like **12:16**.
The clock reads **8:31**
